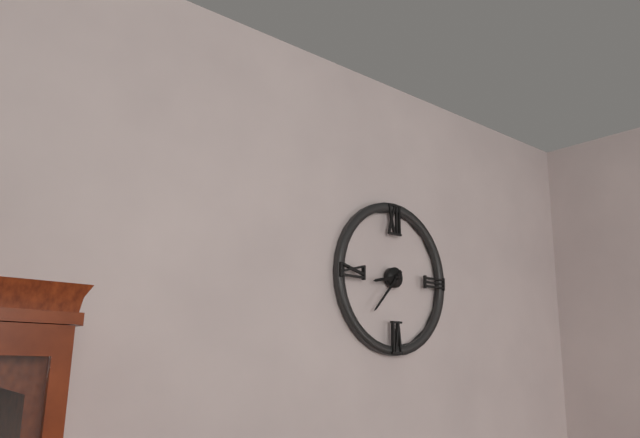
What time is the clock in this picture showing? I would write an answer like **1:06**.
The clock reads **8:37**
